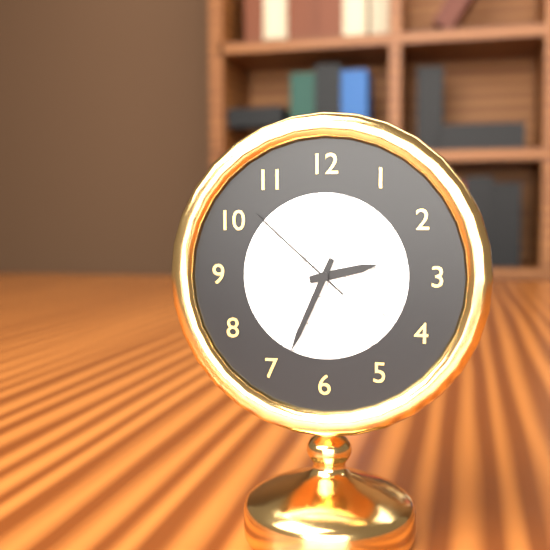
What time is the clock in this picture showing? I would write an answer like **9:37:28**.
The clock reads **2:34:52**
